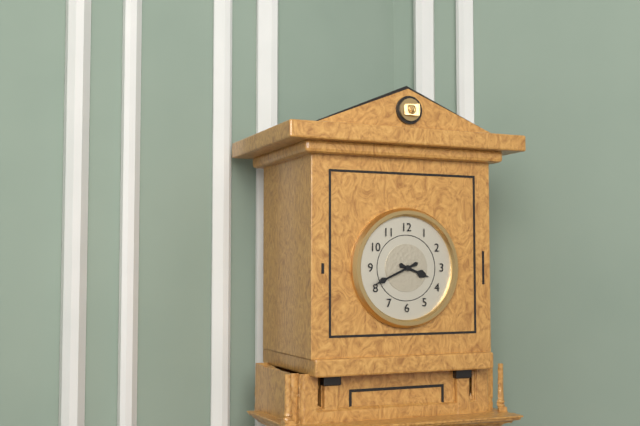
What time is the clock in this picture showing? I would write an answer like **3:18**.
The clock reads **3:41**
